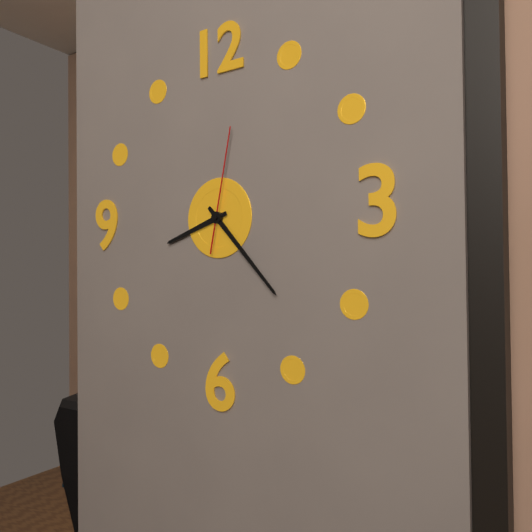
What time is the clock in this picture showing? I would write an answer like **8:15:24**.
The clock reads **8:23:02**
